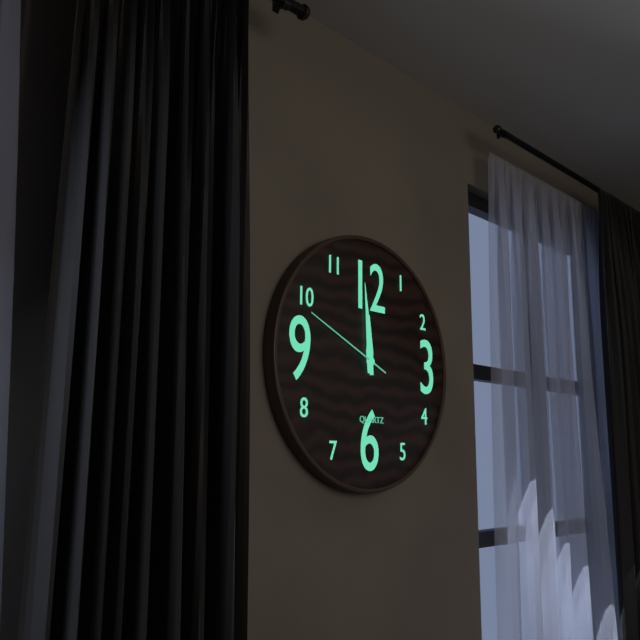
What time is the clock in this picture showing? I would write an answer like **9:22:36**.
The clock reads **11:59:49**
